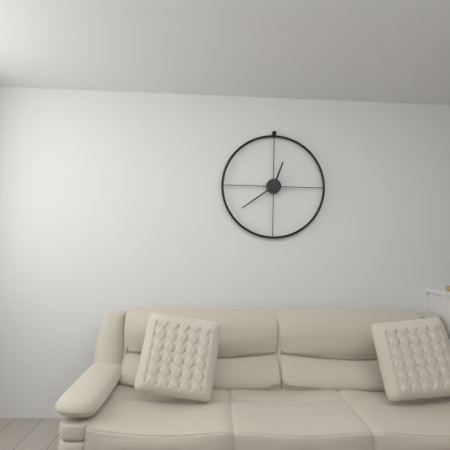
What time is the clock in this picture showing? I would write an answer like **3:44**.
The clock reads **12:39**
